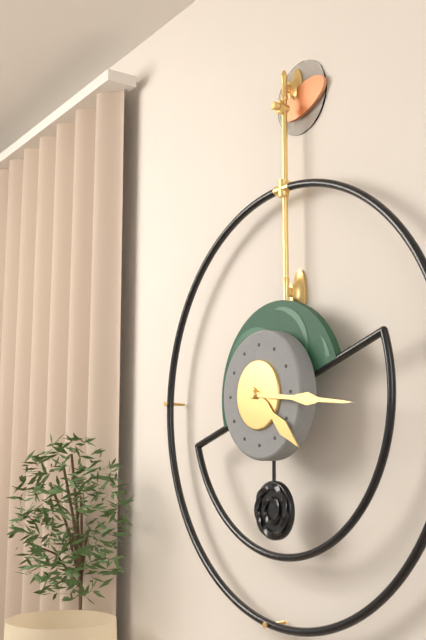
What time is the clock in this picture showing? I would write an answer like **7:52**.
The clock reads **4:16**
